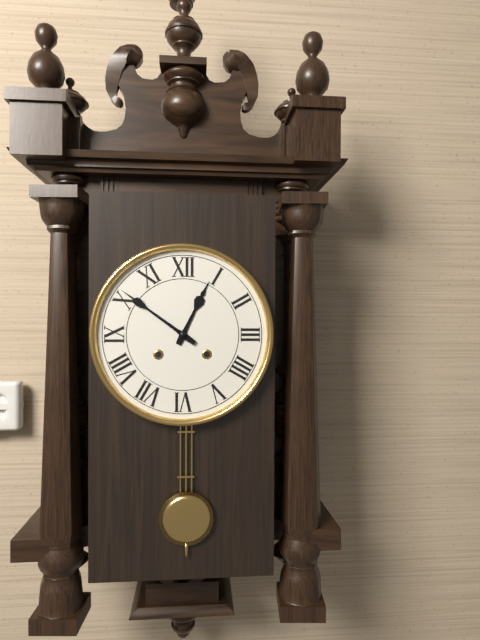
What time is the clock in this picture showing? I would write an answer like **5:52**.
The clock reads **12:51**
